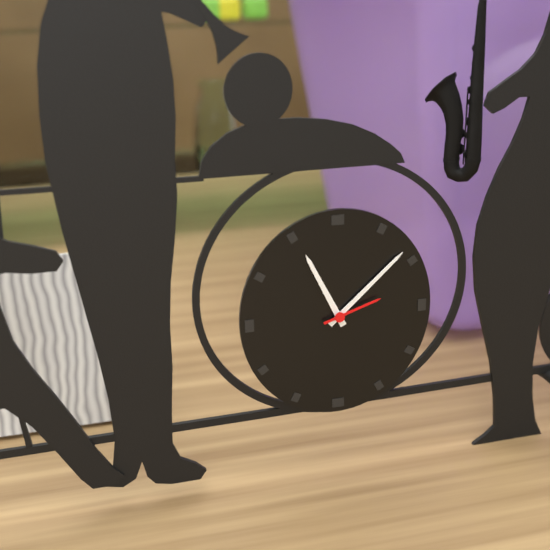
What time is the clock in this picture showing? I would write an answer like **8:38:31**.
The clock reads **11:08:12**
